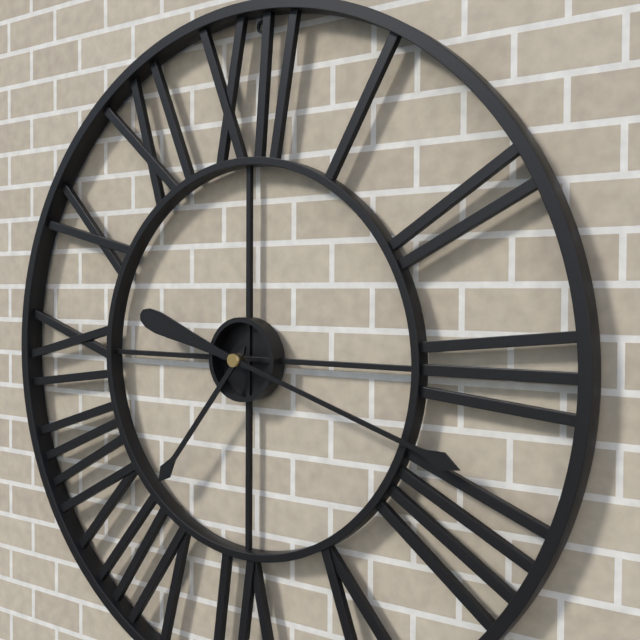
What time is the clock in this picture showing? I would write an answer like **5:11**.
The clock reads **7:18**
